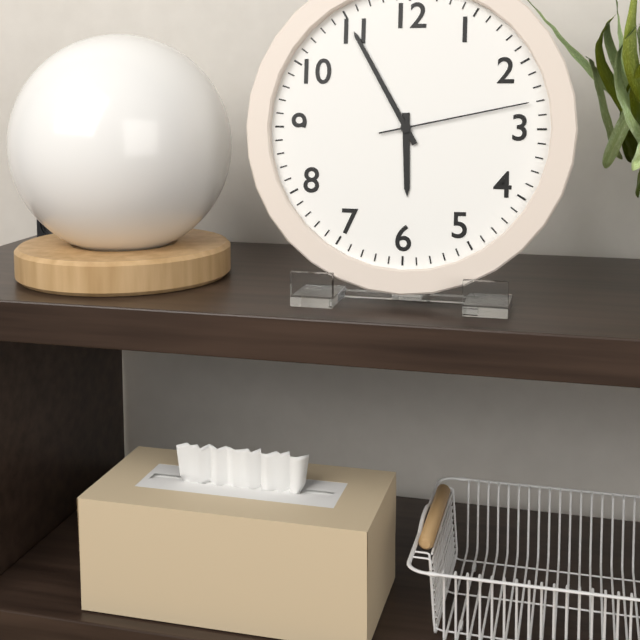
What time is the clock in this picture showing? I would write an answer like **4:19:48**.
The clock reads **5:55:13**
